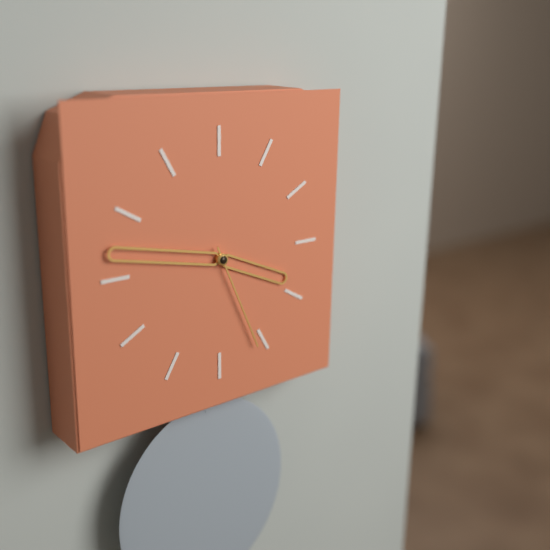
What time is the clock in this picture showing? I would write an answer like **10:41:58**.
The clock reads **3:47:26**
